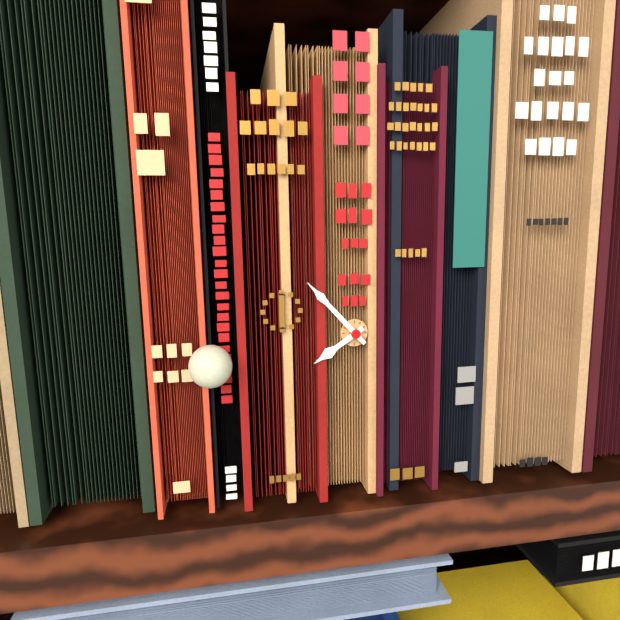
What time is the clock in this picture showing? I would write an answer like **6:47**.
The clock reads **7:53**
